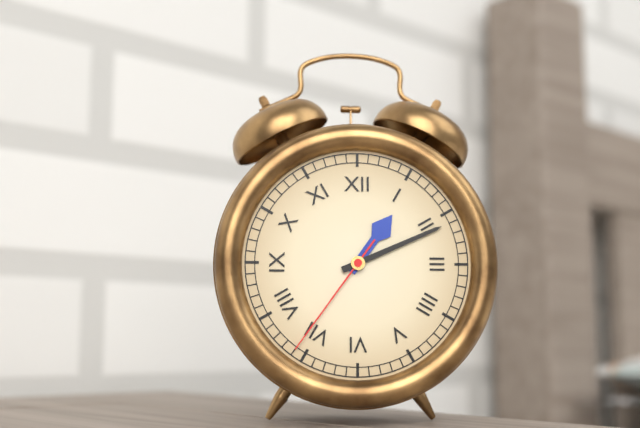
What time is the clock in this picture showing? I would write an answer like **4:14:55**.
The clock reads **1:11:36**
